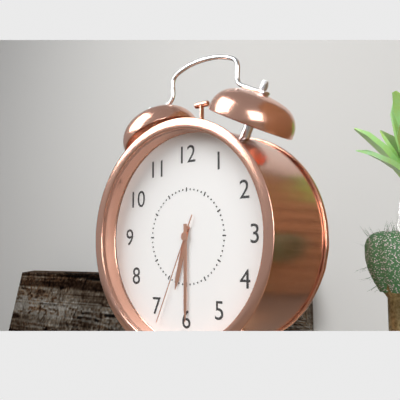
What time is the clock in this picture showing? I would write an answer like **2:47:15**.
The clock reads **6:30:34**
